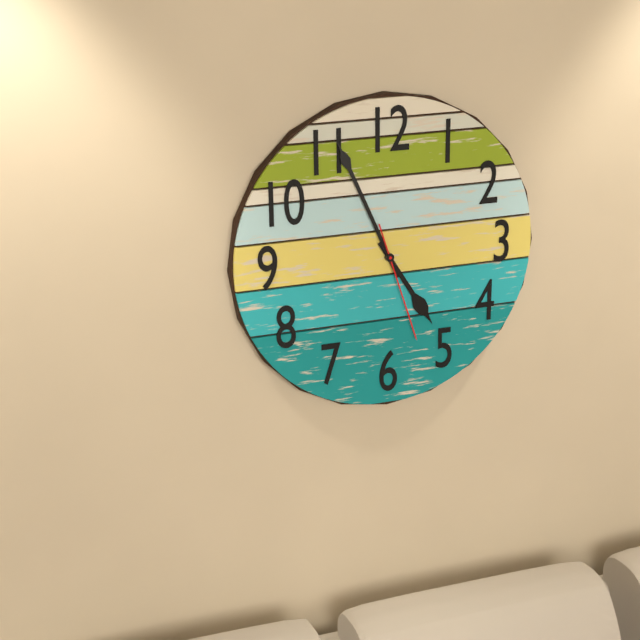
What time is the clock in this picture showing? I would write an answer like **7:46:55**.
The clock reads **4:56:27**
